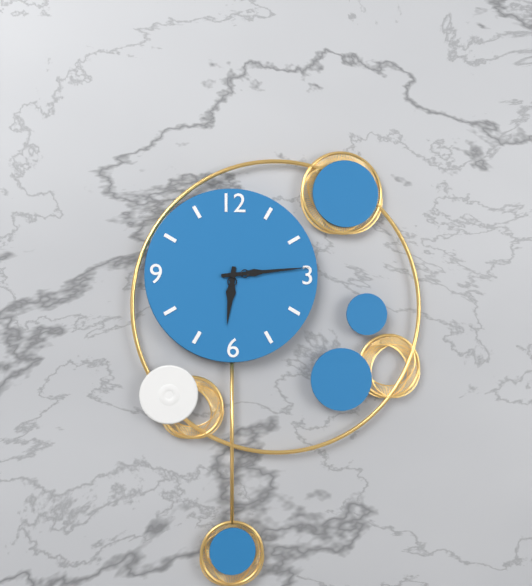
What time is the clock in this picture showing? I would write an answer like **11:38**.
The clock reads **6:14**
